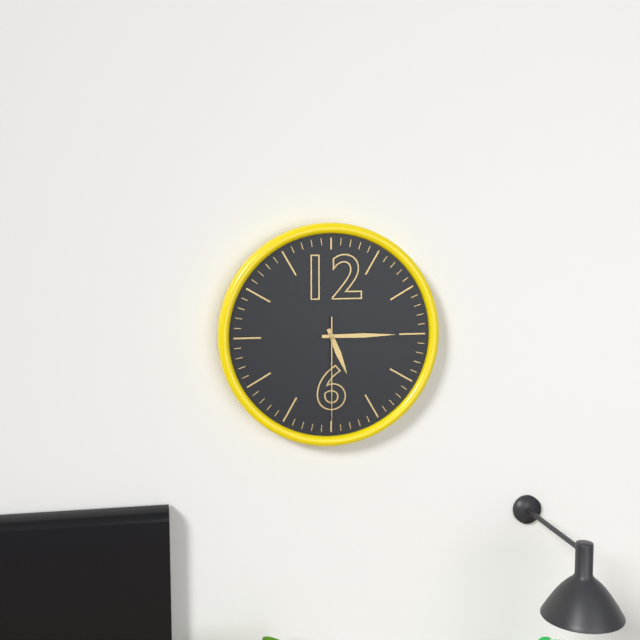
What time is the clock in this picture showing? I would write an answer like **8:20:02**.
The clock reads **5:15:30**
